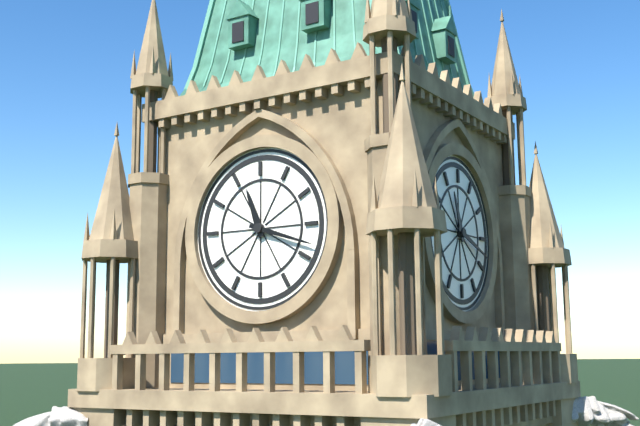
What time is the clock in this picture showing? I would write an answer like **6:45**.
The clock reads **11:18**
